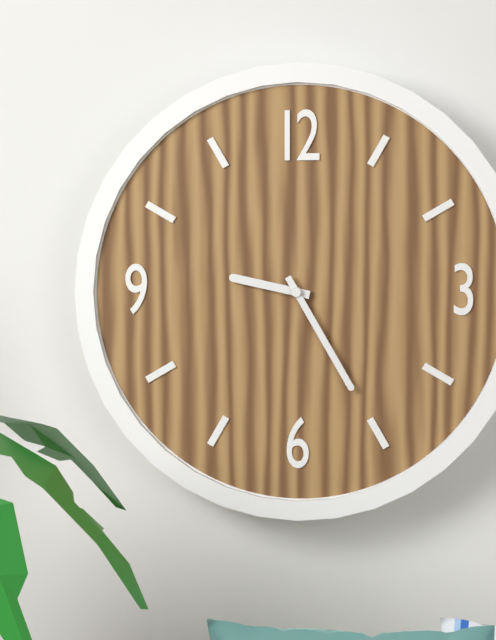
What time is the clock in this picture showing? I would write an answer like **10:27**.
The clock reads **9:25**
